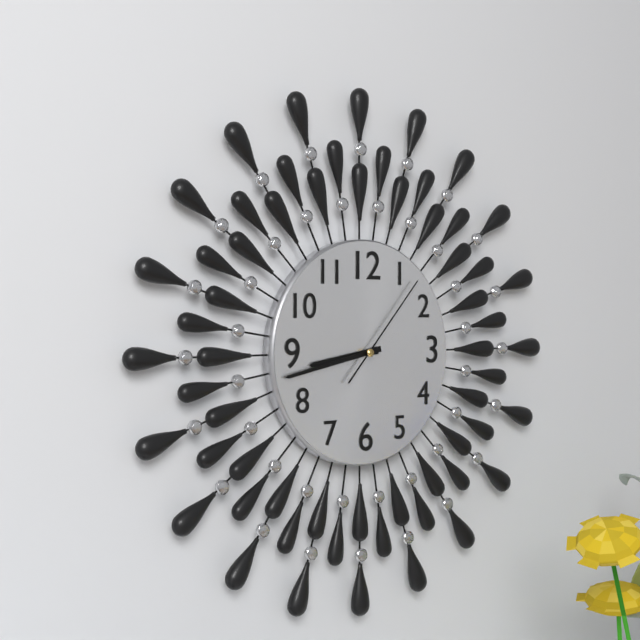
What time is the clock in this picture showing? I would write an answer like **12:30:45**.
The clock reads **8:43:07**
